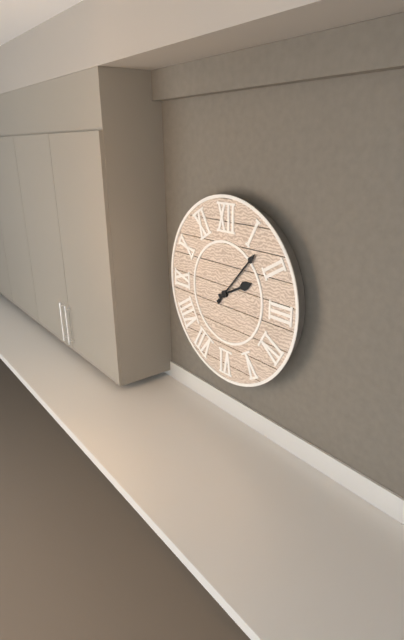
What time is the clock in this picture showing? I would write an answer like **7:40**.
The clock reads **2:07**
